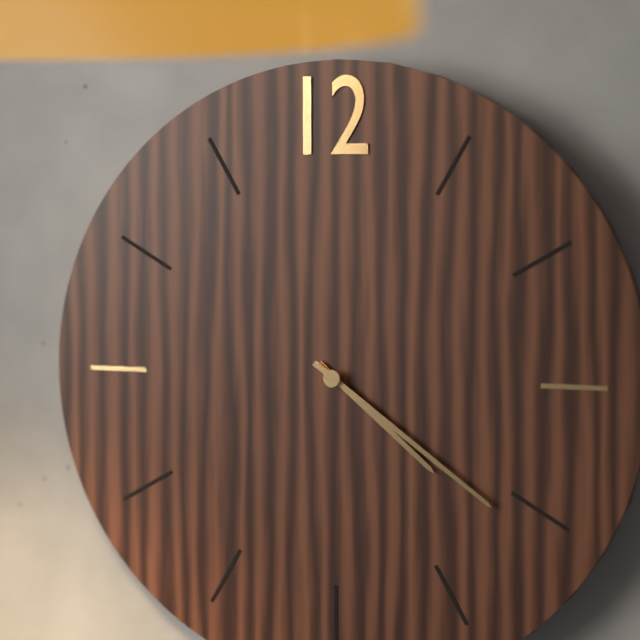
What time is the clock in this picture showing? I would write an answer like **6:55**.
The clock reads **4:21**
